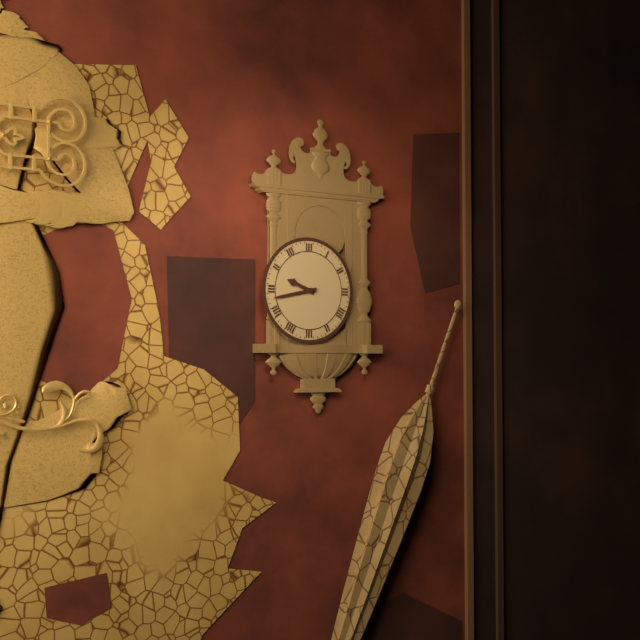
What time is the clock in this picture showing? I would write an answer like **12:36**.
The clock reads **9:43**
